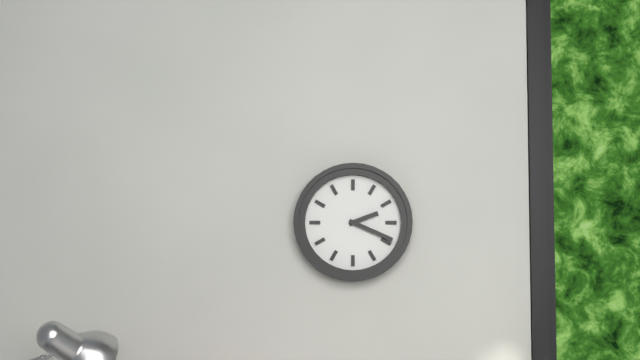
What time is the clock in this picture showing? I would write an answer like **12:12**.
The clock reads **2:19**
